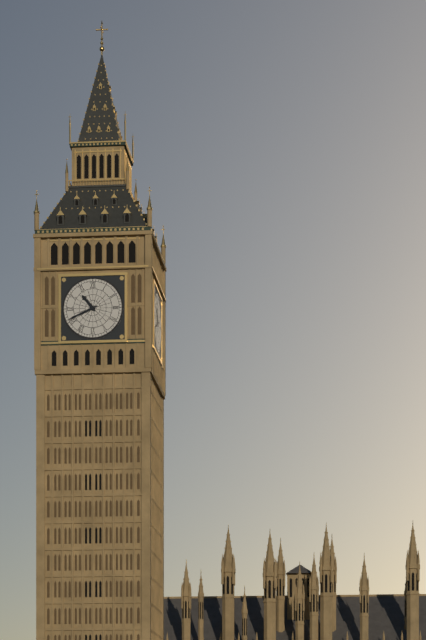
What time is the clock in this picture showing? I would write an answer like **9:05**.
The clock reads **10:41**
